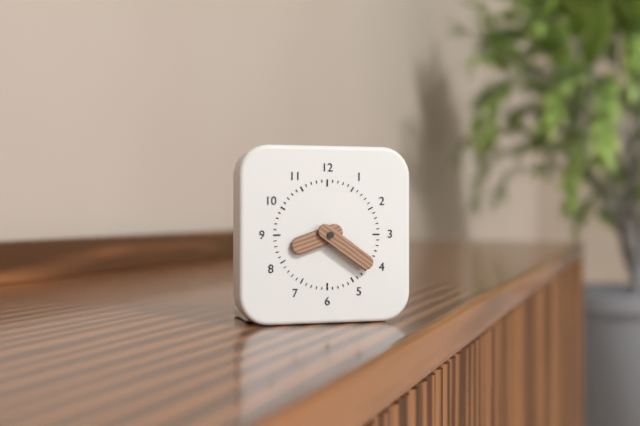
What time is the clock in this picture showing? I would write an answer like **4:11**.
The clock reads **8:21**
